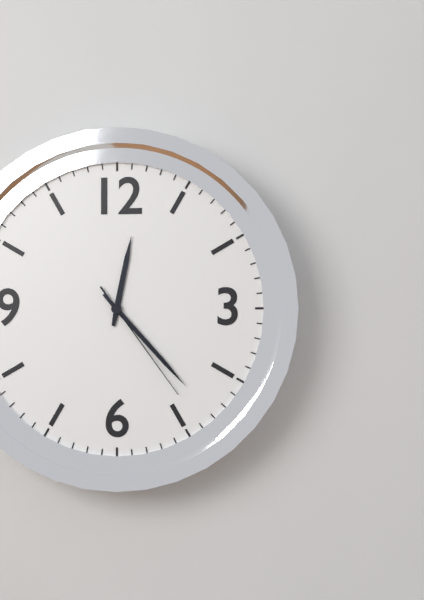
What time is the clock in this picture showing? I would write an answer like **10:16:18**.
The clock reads **12:23:24**
